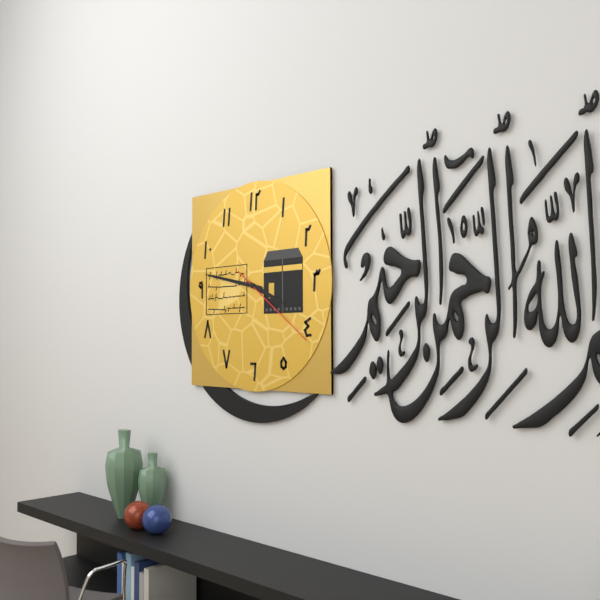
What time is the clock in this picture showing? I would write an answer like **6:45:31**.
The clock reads **3:47:21**
